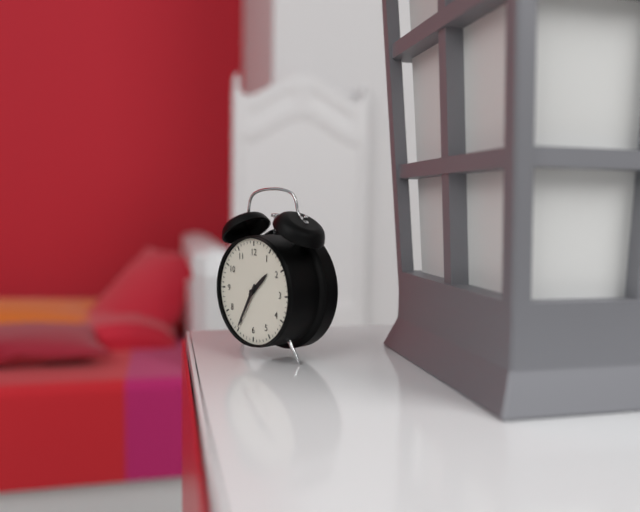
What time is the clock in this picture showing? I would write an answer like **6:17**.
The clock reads **1:35**
